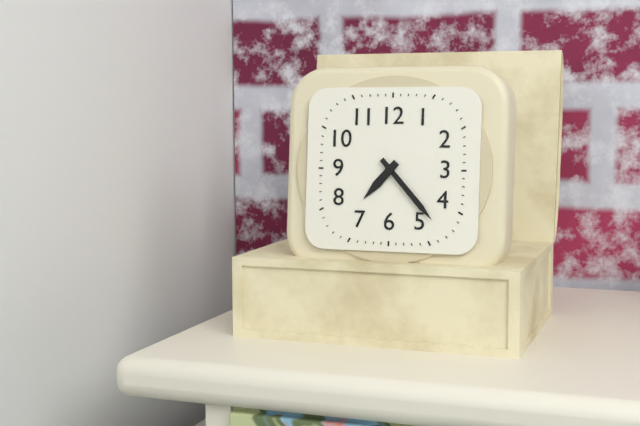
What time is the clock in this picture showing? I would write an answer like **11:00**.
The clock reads **7:23**
